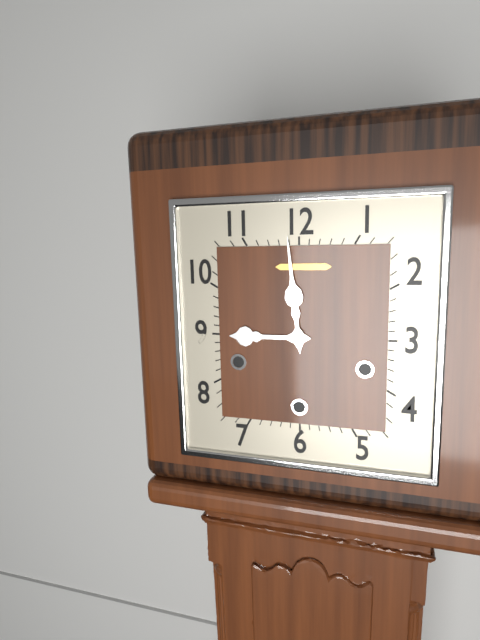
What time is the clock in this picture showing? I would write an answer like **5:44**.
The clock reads **8:59**
